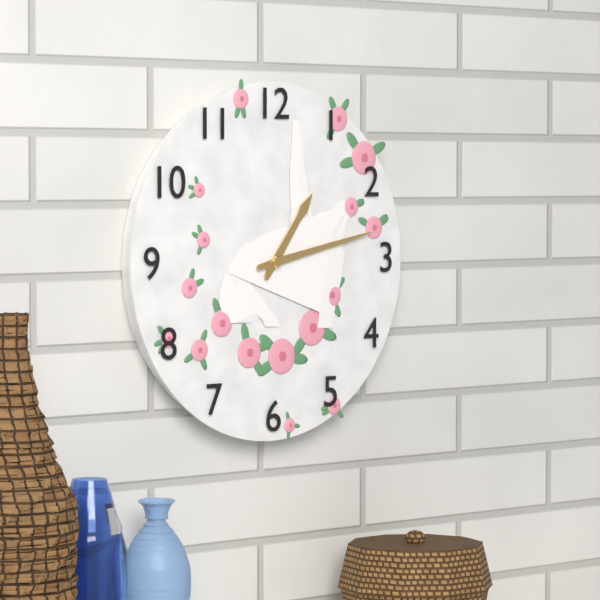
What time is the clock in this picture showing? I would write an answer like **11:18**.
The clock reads **1:13**
